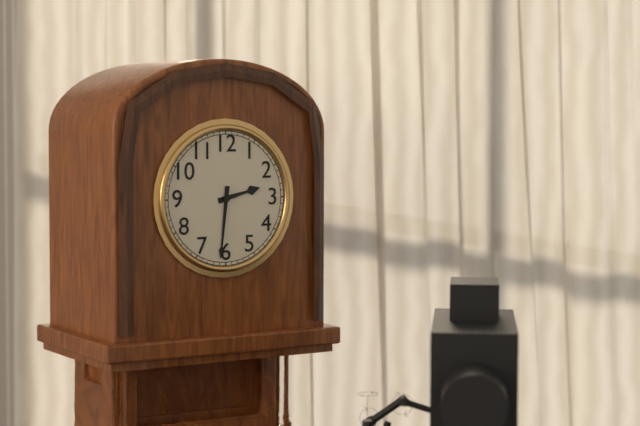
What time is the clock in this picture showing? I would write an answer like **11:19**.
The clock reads **2:31**
